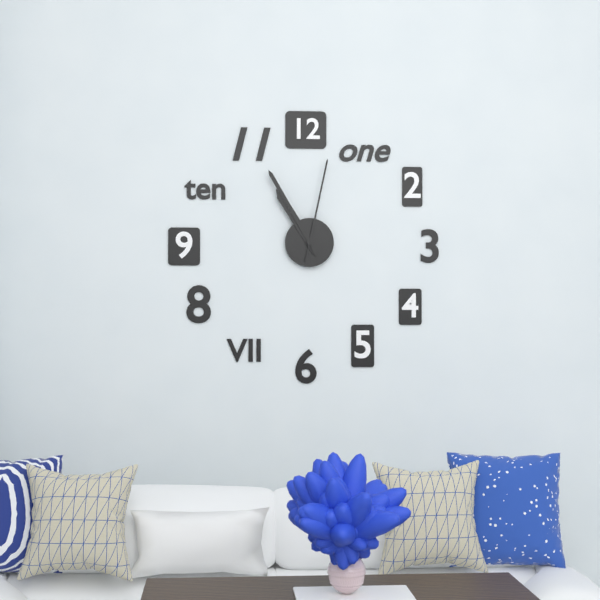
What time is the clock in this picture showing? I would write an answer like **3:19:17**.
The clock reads **10:55:02**
